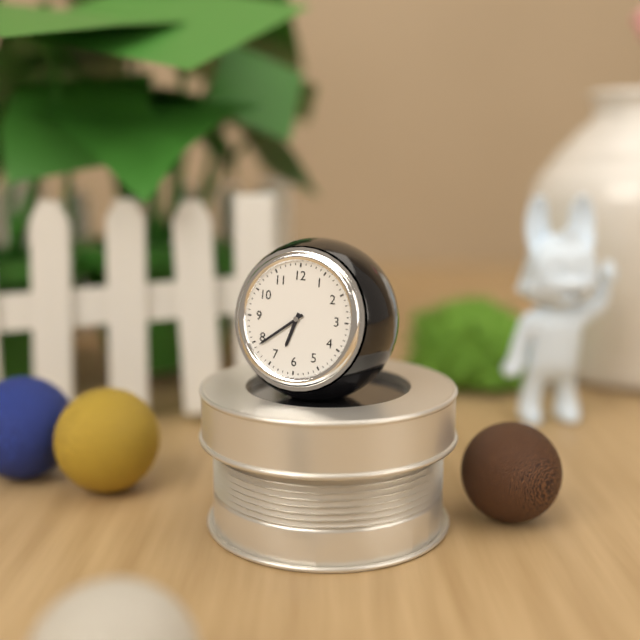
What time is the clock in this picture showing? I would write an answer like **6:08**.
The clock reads **6:39**
